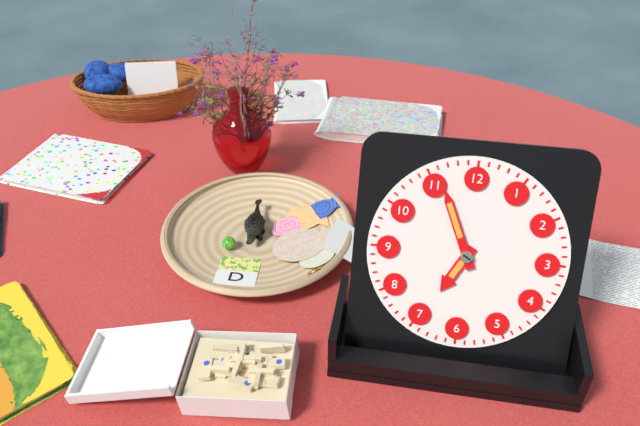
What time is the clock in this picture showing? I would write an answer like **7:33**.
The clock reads **6:56**
